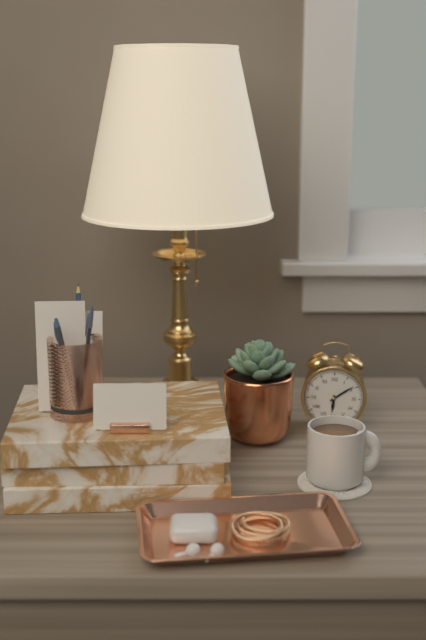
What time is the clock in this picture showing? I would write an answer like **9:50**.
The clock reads **6:09**
